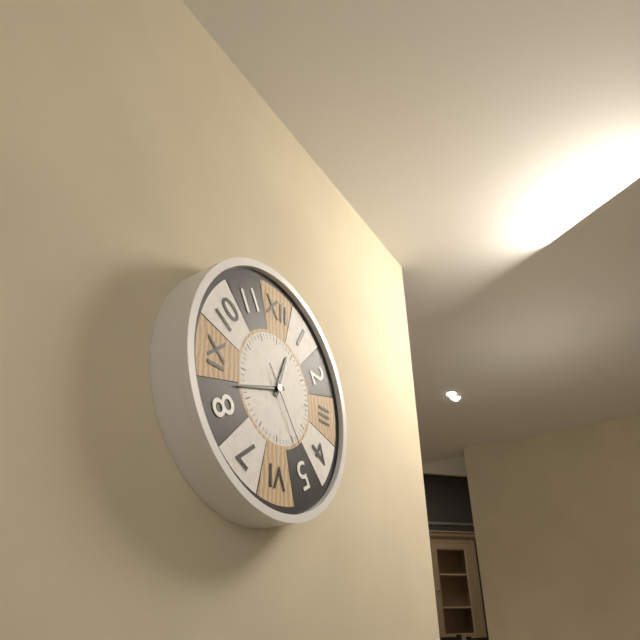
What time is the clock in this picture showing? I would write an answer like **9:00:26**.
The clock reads **12:42:24**
